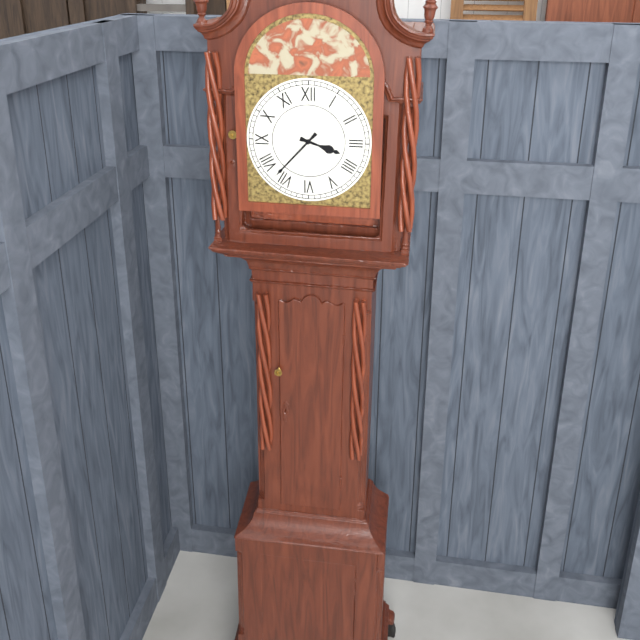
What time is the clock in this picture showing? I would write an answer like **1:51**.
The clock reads **3:37**
